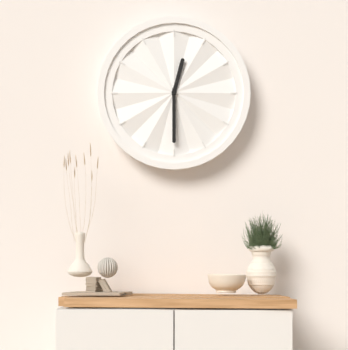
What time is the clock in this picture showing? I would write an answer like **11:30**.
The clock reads **12:30**
